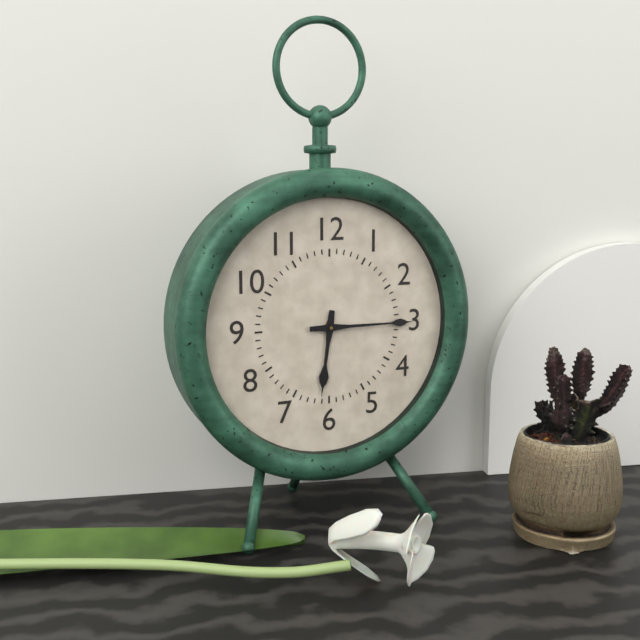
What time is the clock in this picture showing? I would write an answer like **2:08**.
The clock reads **6:15**
